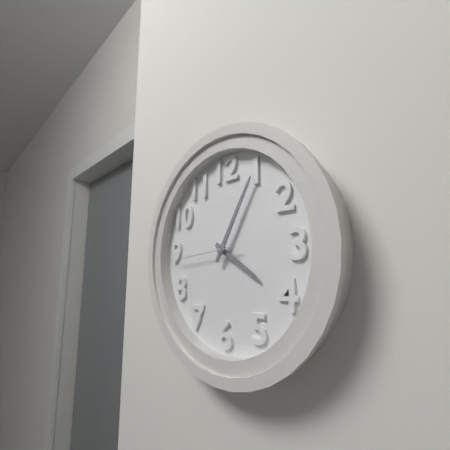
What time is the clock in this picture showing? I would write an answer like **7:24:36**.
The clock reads **4:05:44**
